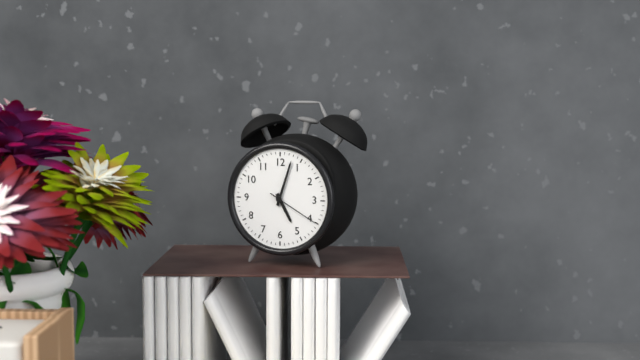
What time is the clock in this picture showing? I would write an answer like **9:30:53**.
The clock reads **5:03:20**
